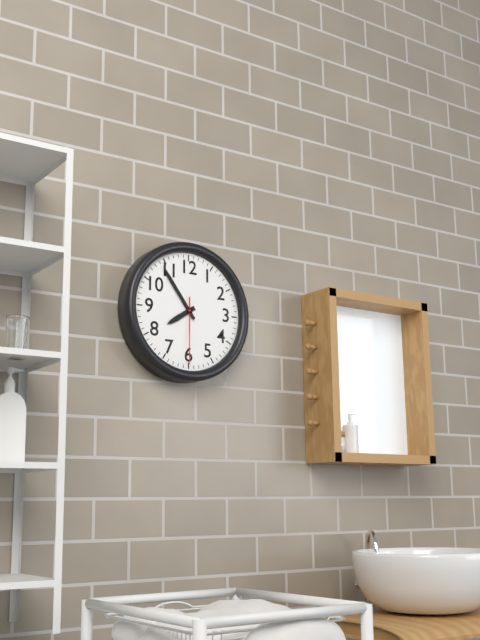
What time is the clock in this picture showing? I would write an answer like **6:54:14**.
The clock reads **7:54:30**
